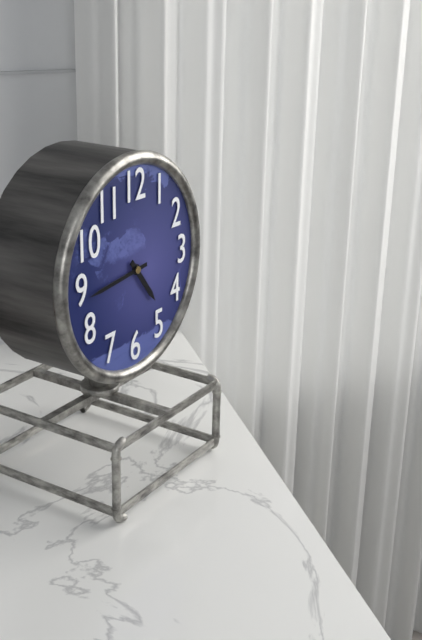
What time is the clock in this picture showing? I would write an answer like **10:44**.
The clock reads **4:44**
